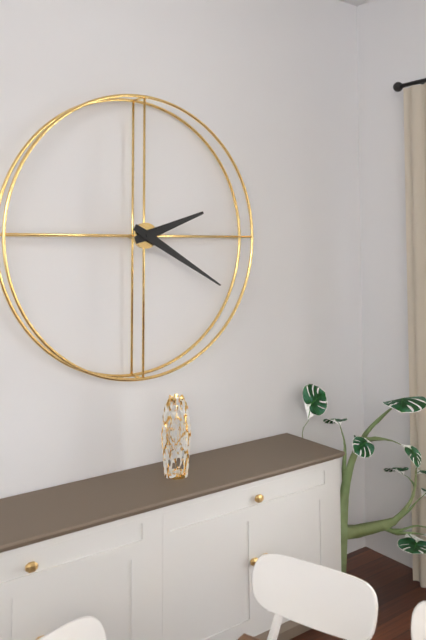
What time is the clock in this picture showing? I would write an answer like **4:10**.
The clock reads **2:20**
